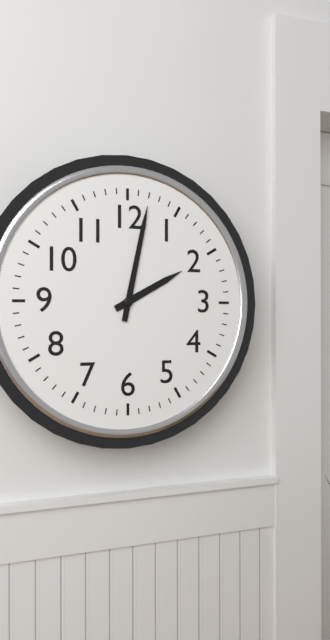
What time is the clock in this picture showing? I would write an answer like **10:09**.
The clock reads **2:02**
